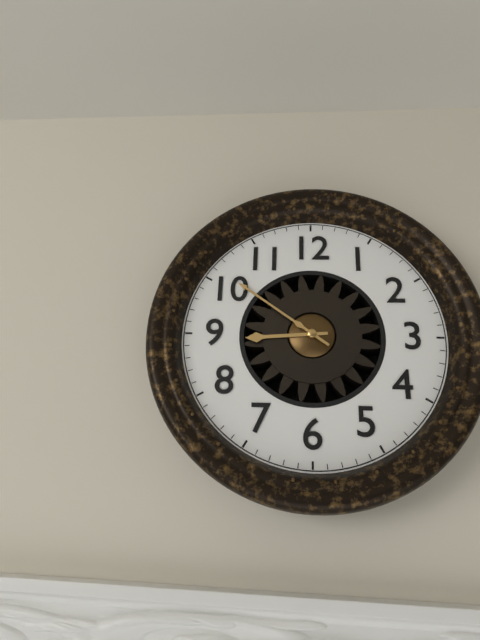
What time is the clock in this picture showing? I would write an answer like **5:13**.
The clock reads **8:51**
